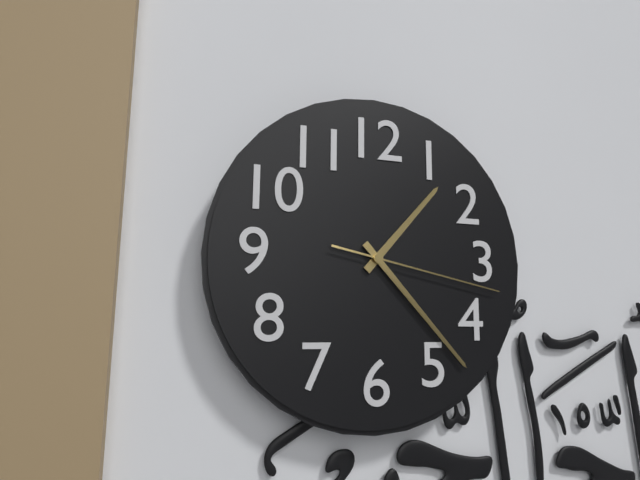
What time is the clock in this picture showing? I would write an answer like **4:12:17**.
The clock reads **1:23:17**
